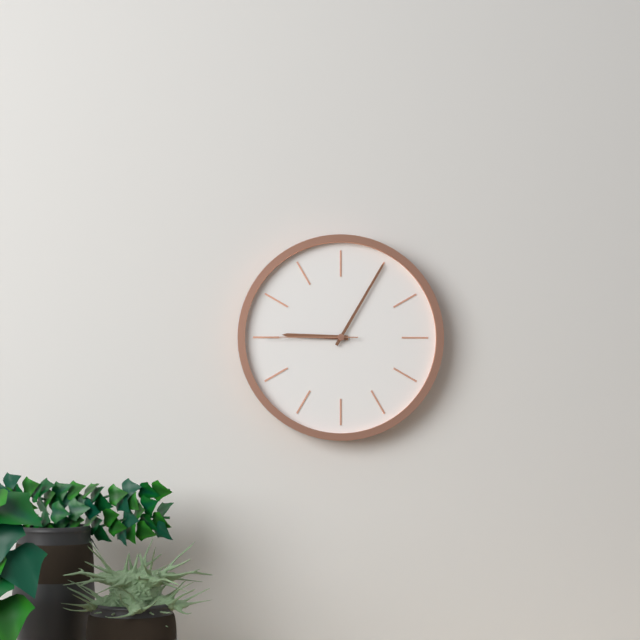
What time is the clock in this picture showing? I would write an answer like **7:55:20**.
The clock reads **9:05:45**
